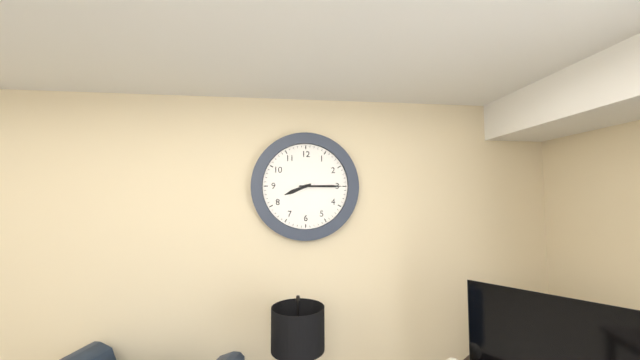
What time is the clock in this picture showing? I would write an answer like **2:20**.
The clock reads **8:15**
